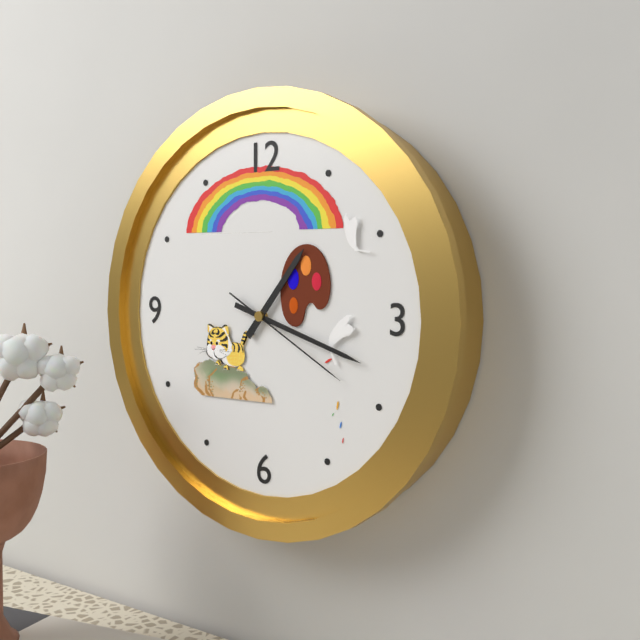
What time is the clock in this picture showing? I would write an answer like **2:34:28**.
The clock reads **1:18:20**
